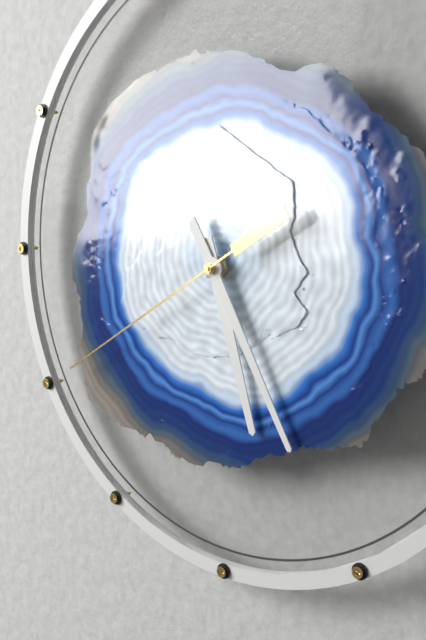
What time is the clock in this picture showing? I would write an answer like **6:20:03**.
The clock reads **5:25:40**
